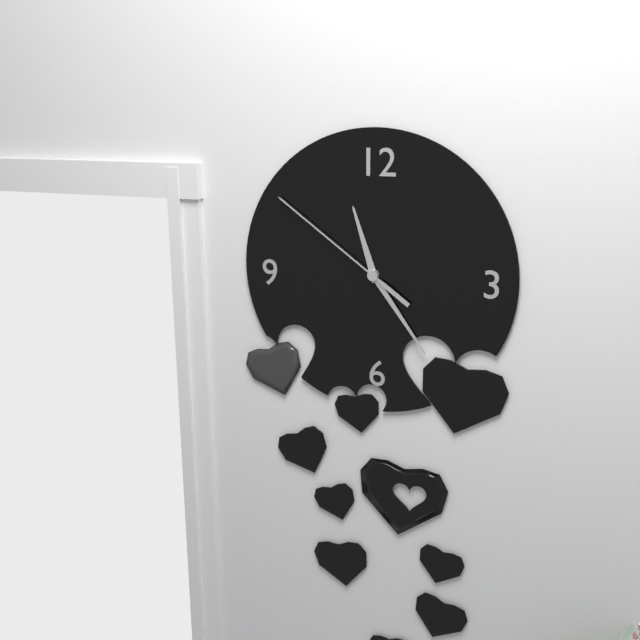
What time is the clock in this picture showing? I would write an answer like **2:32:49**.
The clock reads **11:24:51**
